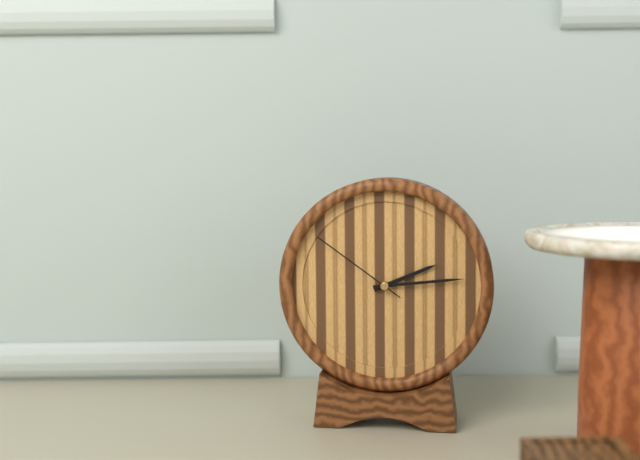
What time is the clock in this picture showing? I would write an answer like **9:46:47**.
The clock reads **2:14:51**
